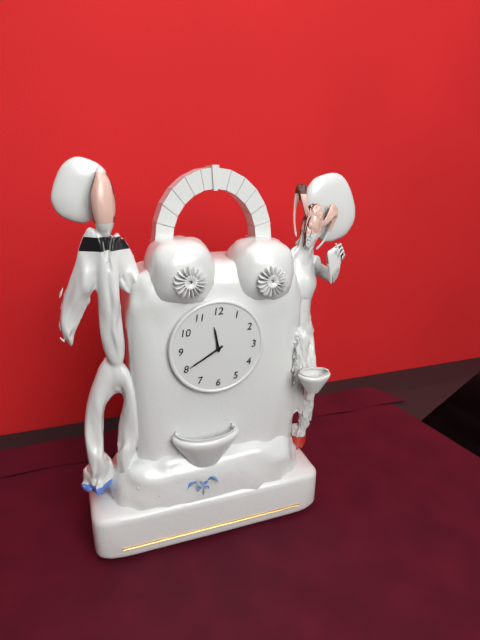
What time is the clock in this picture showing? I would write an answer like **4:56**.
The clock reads **11:40**
